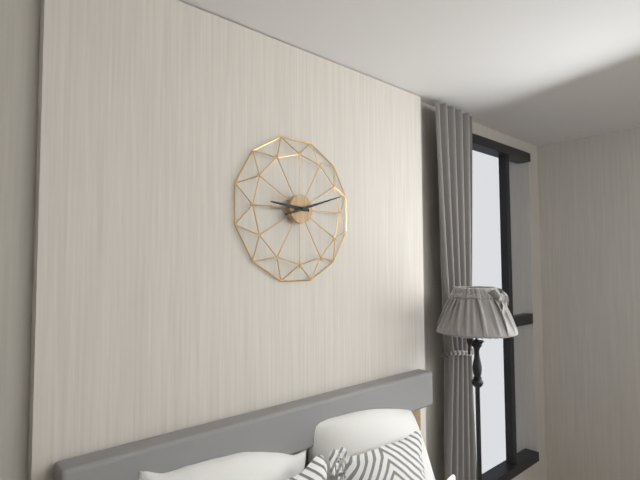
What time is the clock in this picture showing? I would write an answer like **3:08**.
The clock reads **9:12**
